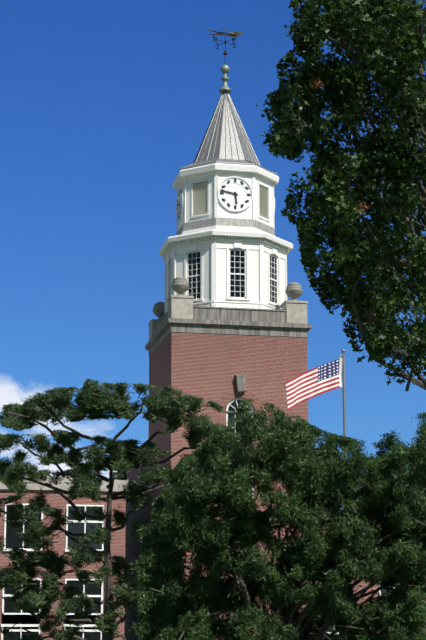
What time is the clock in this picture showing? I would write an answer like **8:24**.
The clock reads **5:47**
